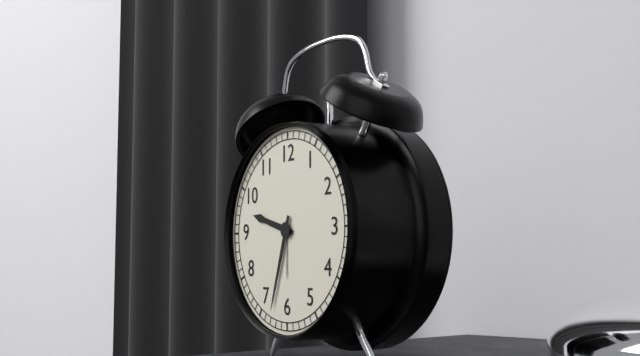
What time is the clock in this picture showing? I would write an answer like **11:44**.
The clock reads **9:33**
